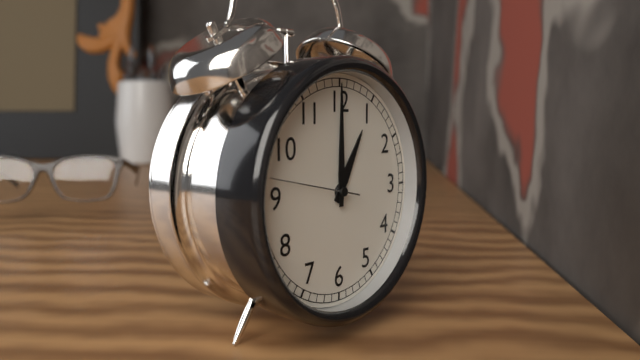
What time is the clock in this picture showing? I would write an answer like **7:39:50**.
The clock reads **1:00:47**
